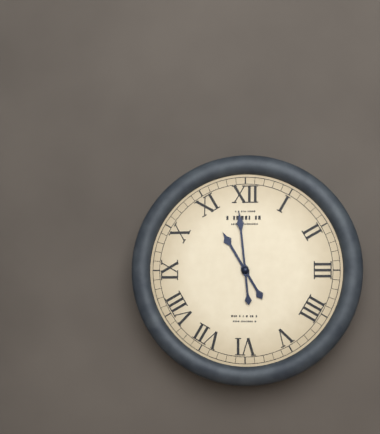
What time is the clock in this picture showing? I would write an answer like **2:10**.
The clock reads **10:59**
